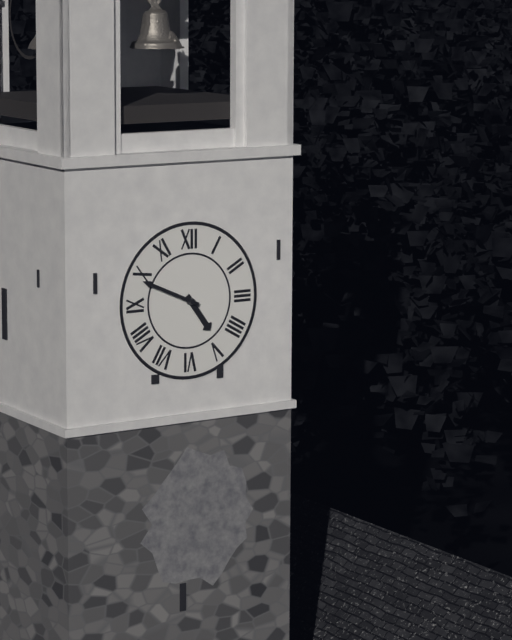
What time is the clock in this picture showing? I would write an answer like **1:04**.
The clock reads **4:49**
